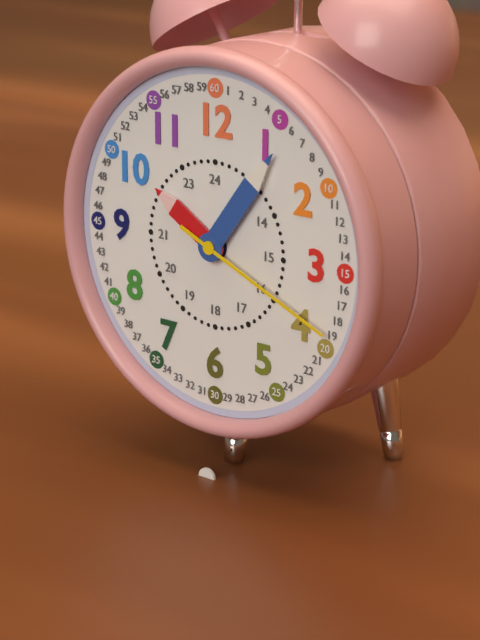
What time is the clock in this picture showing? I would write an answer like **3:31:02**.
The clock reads **10:06:19**
